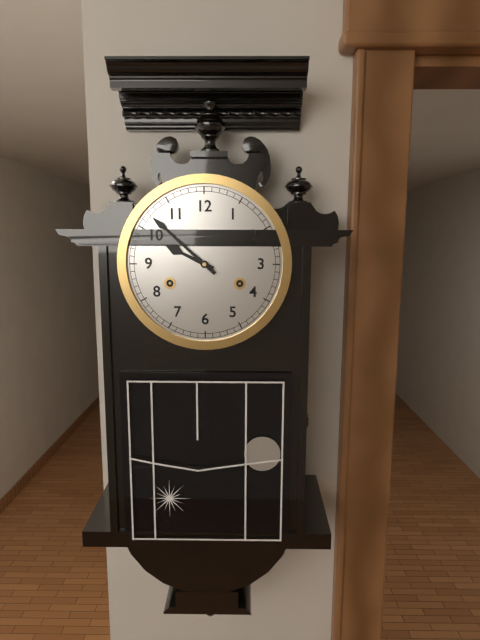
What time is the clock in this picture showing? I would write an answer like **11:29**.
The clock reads **9:52**
